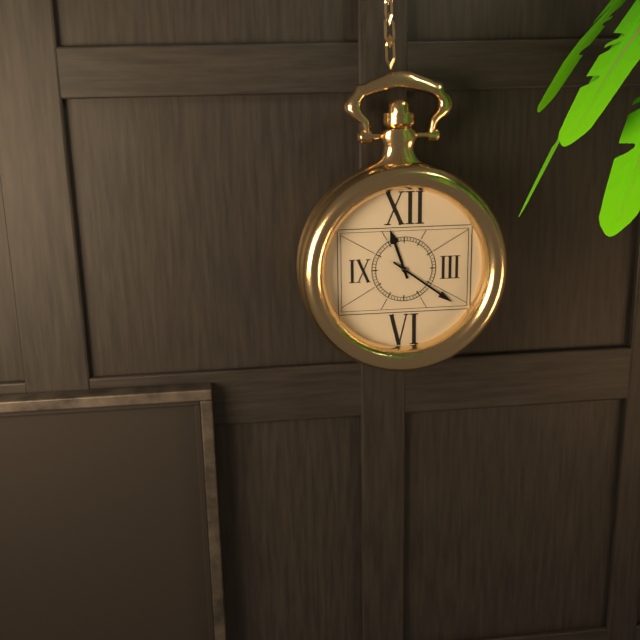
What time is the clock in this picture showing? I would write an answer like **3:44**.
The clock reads **11:21**
